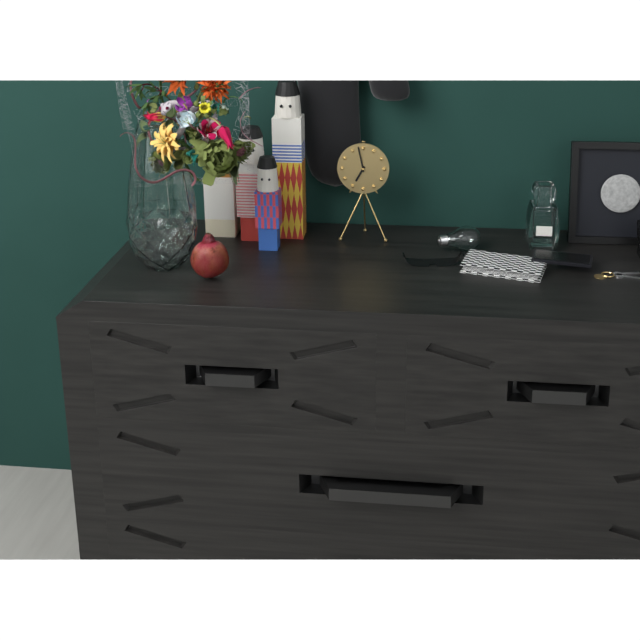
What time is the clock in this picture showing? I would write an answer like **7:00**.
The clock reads **6:58**
